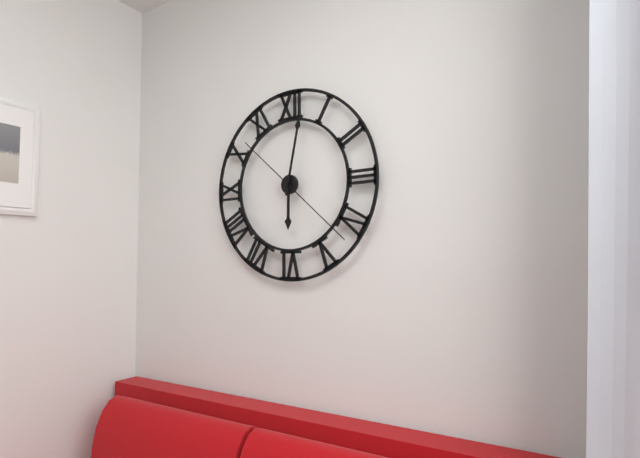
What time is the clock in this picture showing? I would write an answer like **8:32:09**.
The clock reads **6:02:22**
